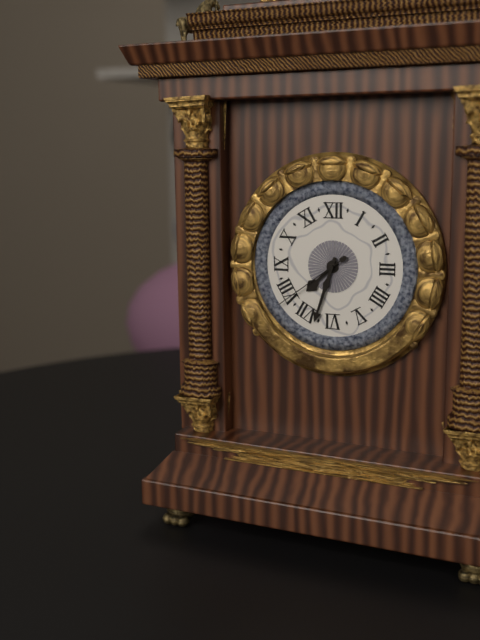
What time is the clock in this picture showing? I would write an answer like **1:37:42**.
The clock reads **7:33:39**
